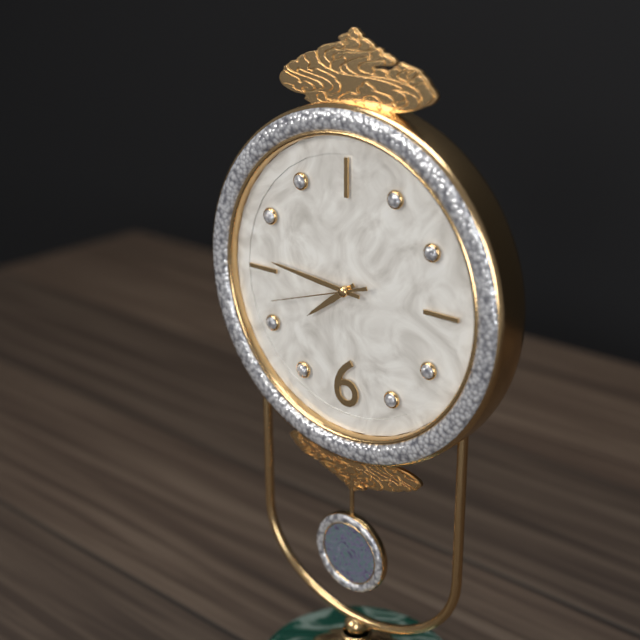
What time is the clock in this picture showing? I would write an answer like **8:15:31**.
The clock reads **7:46:42**
